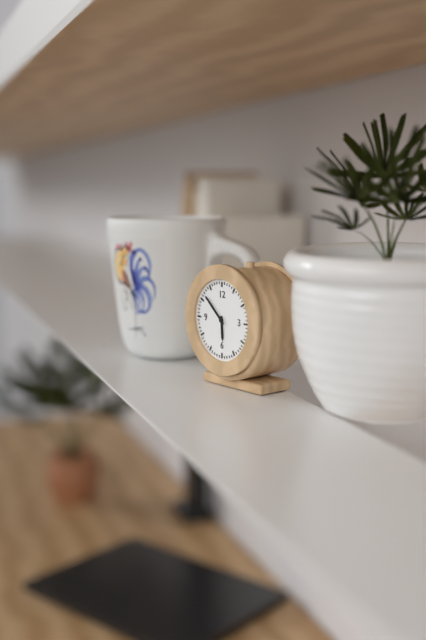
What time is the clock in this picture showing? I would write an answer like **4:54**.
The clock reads **5:52**
